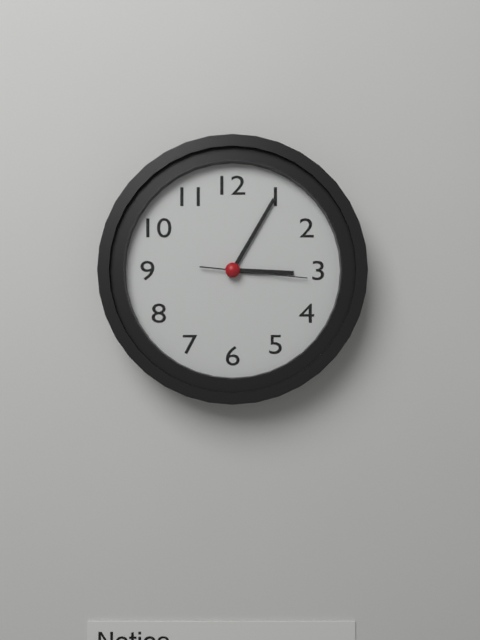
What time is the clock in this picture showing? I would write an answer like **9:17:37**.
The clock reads **3:05:16**
